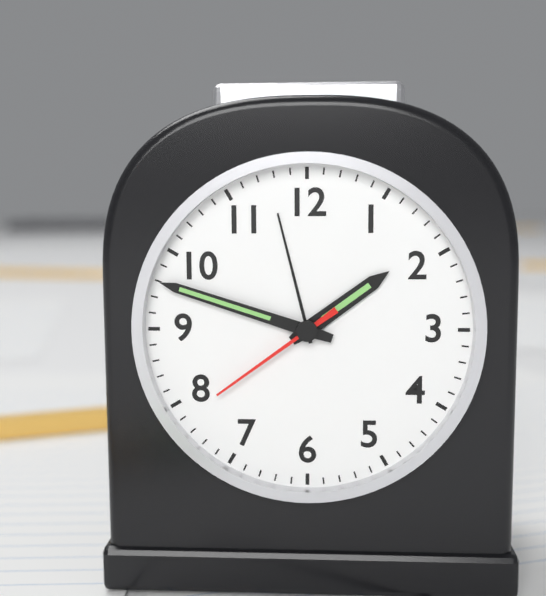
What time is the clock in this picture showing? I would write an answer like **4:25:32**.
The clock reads **1:48:39**
